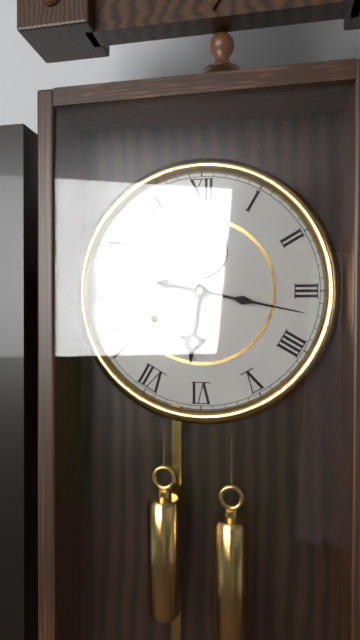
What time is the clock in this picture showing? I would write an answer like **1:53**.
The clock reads **6:17**
